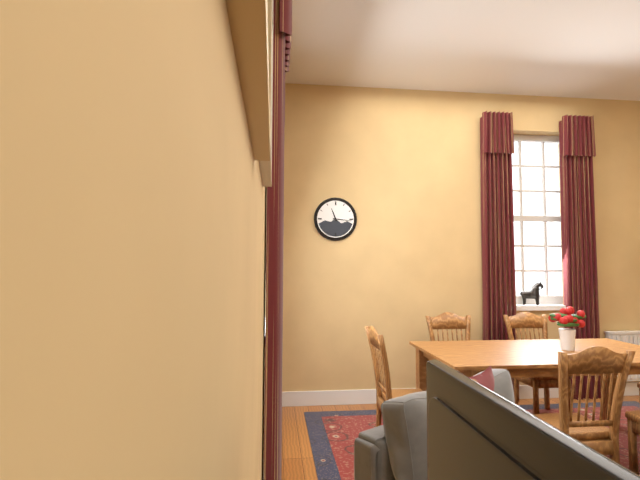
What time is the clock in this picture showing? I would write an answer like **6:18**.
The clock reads **11:16**
